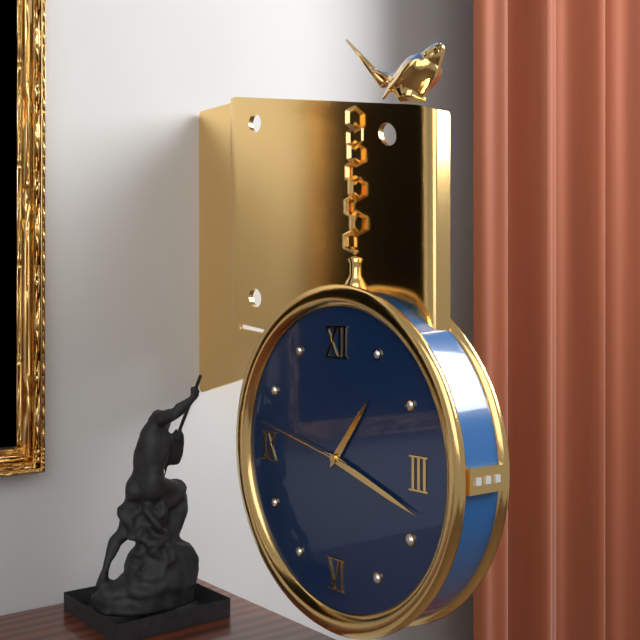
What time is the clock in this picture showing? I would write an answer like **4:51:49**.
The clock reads **1:18:47**
